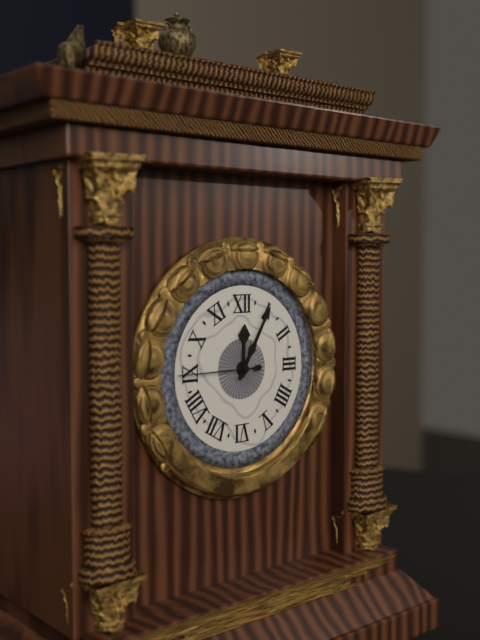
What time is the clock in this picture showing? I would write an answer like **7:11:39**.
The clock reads **12:05:45**
